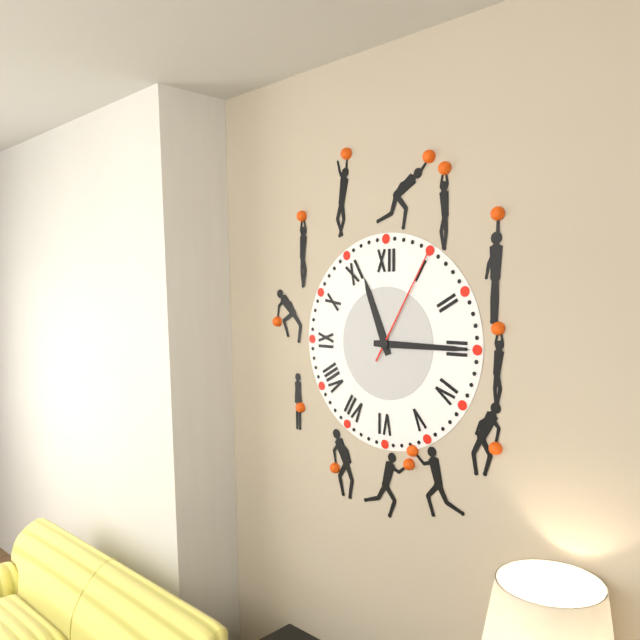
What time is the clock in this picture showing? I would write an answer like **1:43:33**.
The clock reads **11:15:05**
